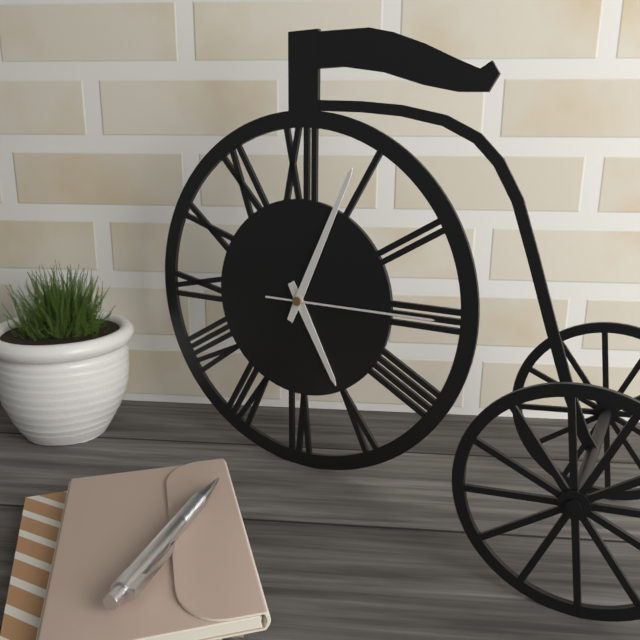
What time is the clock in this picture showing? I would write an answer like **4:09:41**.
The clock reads **5:04:15**
